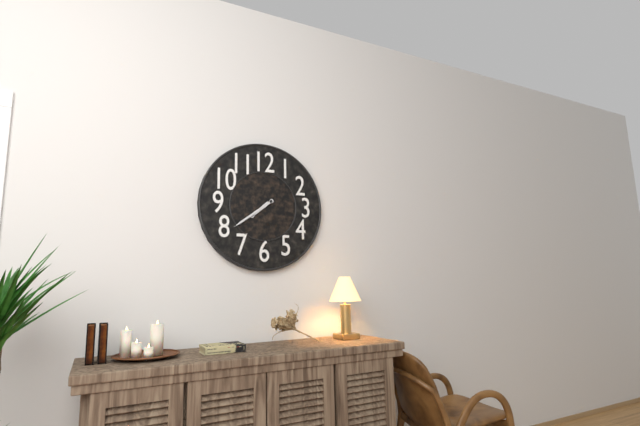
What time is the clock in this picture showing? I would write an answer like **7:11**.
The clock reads **7:39**
